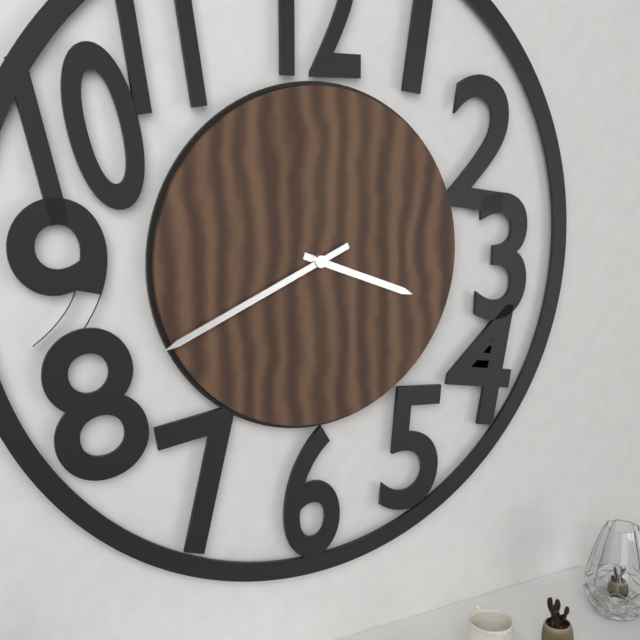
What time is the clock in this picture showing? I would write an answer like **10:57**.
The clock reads **3:41**
